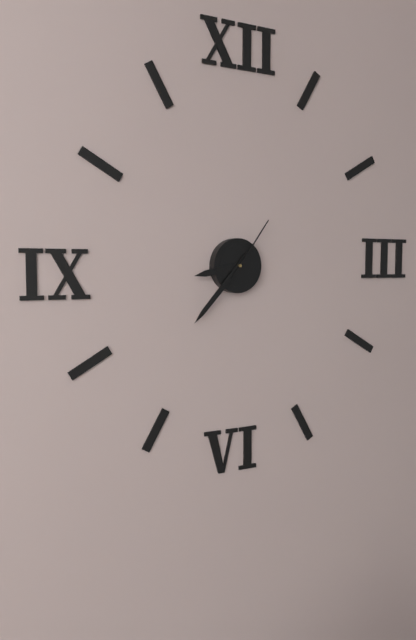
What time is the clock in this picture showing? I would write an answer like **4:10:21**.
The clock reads **8:37:06**
